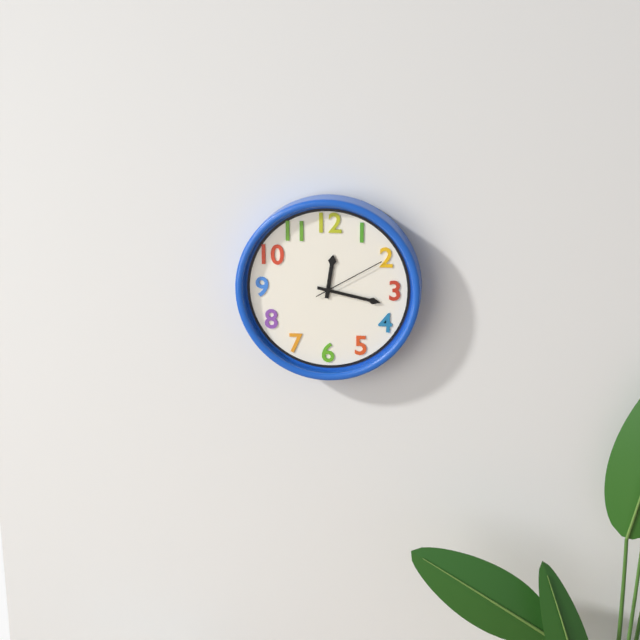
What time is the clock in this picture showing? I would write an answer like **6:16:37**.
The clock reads **12:17:10**
